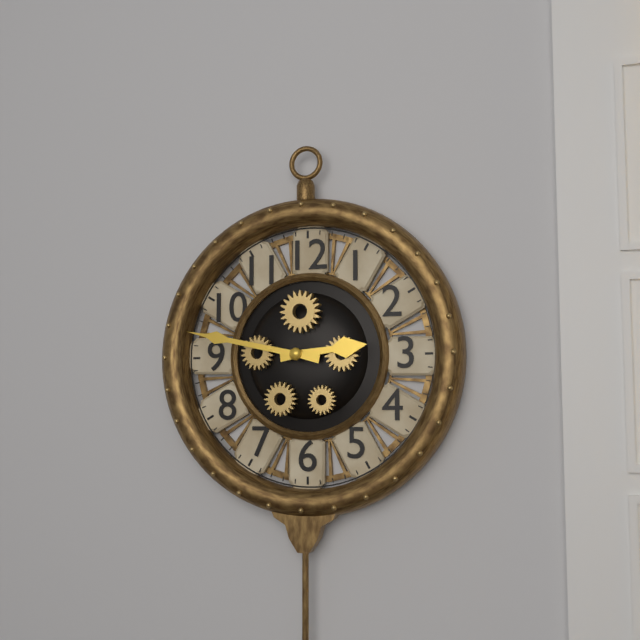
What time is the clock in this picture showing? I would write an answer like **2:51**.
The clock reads **2:47**
